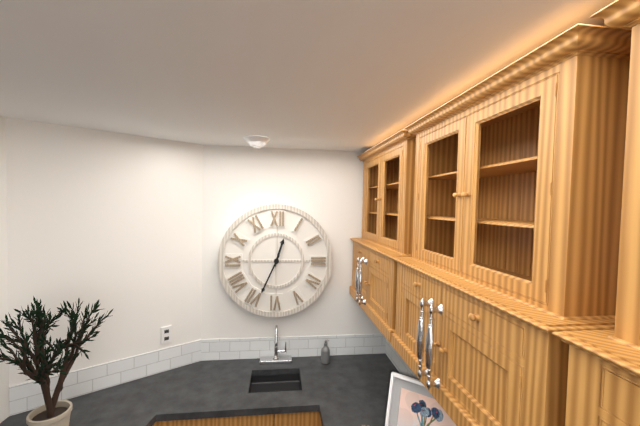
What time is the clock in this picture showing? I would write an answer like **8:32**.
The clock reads **12:34**
